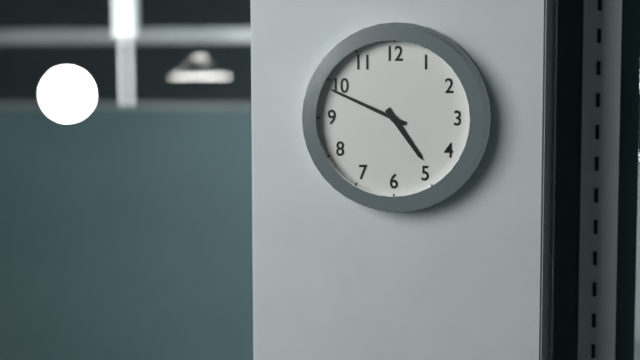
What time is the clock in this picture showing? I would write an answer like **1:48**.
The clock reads **4:49**
